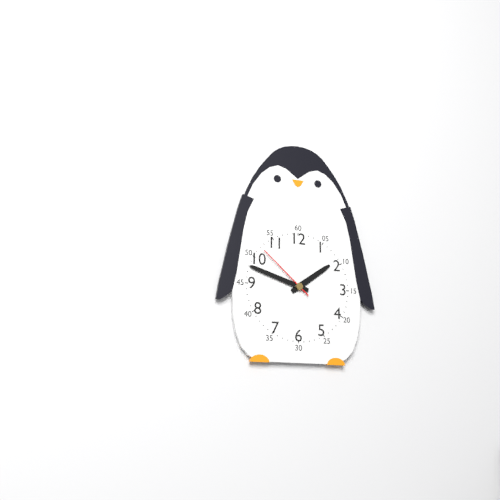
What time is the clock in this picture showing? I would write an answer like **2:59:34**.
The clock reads **1:48:52**
